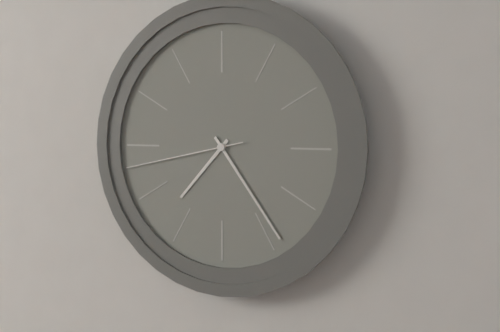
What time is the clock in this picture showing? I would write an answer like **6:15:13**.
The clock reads **7:24:43**
